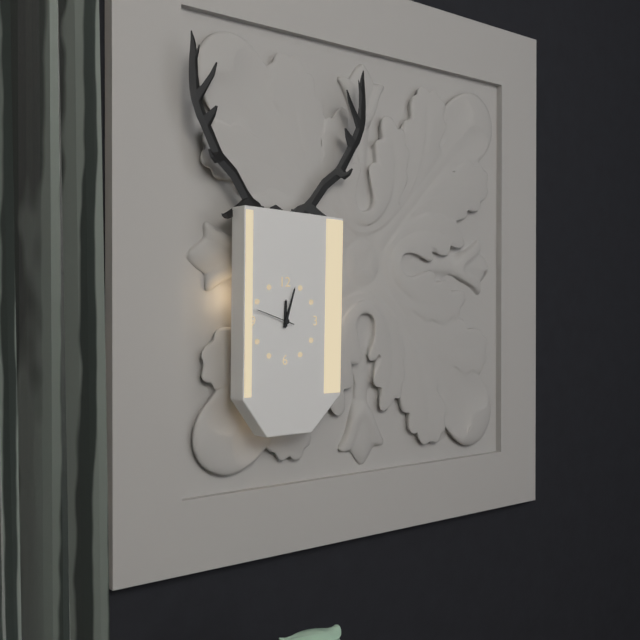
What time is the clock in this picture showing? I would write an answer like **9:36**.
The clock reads **12:03**
